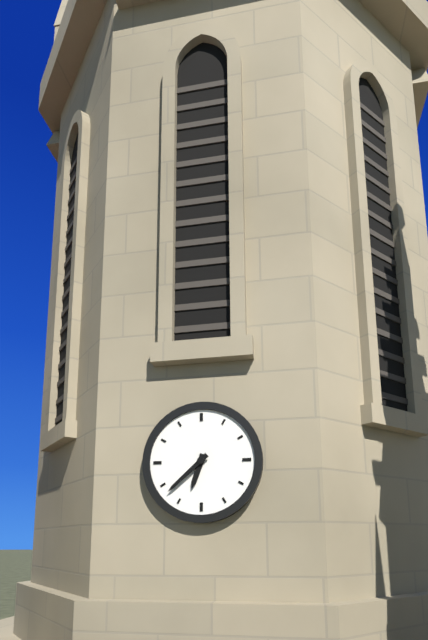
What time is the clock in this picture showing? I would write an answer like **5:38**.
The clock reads **6:38**
